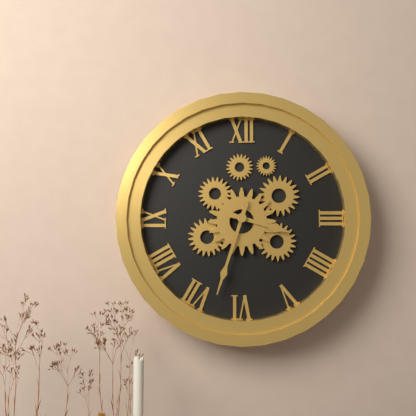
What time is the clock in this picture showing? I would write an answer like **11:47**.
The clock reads **3:33**
